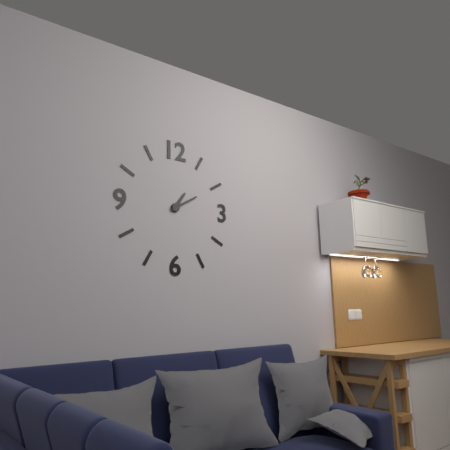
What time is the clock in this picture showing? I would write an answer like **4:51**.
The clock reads **1:10**
